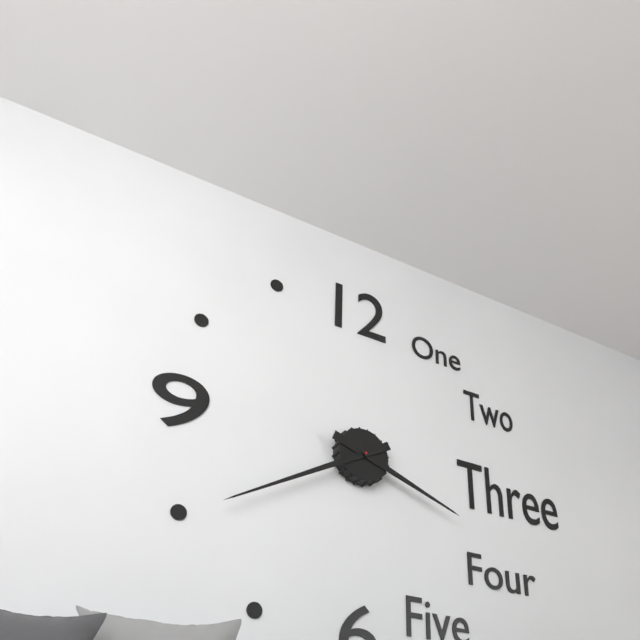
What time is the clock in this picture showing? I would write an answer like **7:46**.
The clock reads **3:40**
